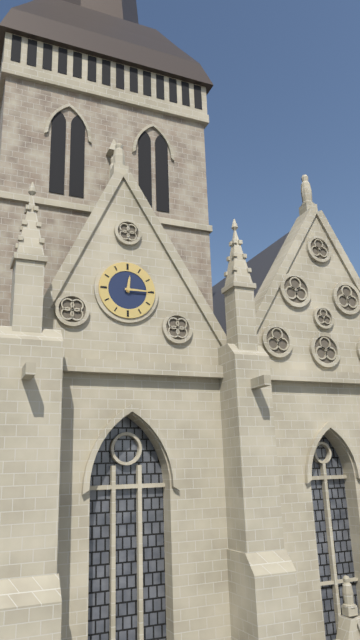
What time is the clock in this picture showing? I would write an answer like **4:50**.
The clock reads **12:15**
